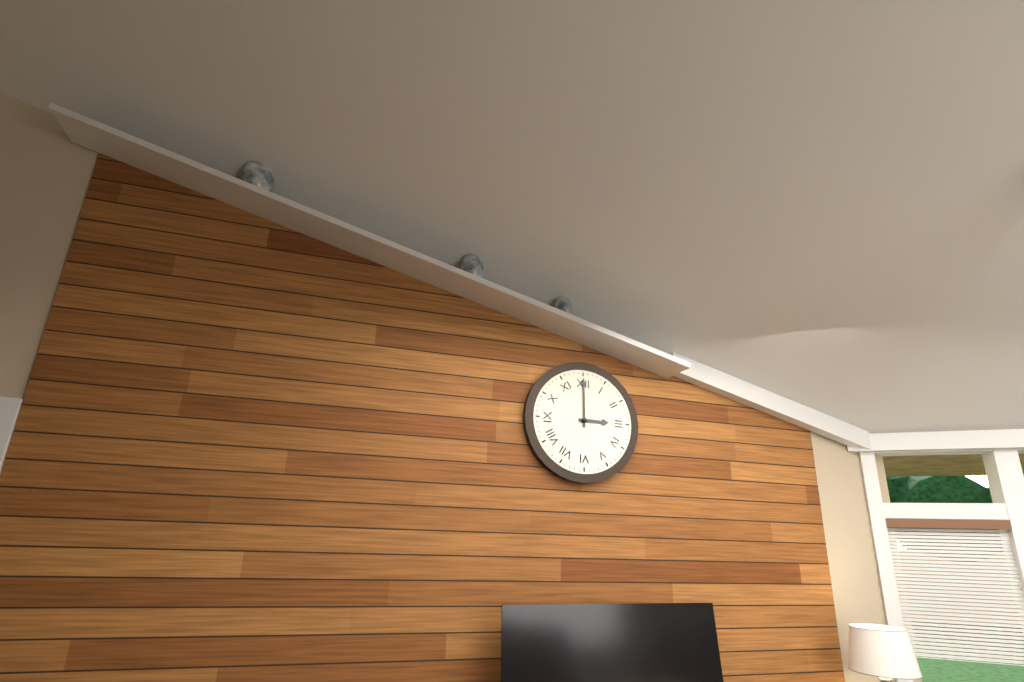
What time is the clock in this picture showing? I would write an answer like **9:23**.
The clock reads **3:00**
